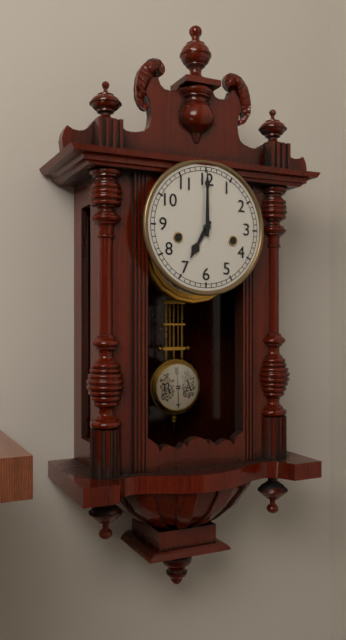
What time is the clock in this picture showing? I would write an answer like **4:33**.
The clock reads **7:00**
